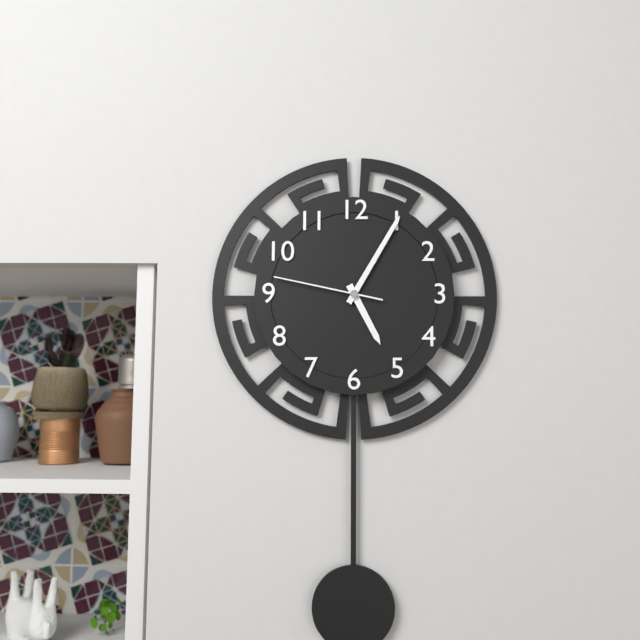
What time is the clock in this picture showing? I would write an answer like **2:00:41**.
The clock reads **5:05:47**
